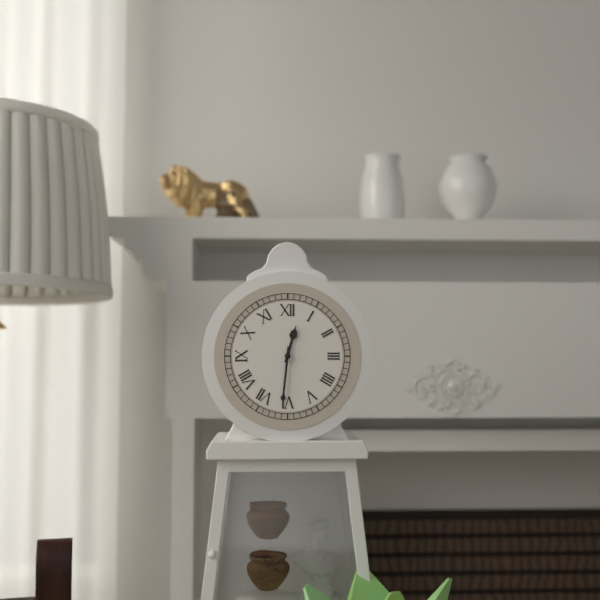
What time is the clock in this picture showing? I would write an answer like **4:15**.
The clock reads **12:31**
